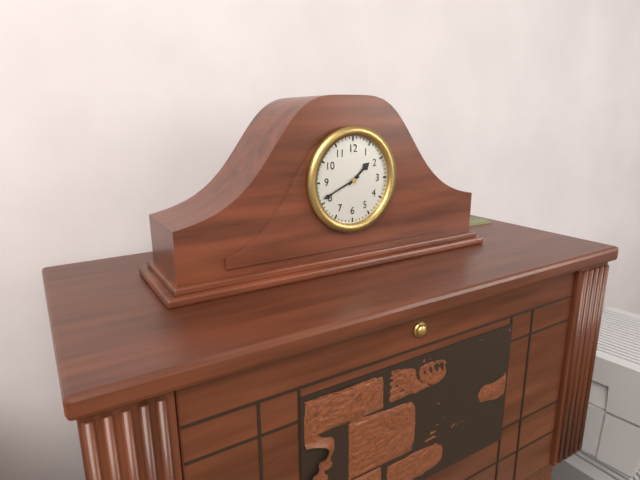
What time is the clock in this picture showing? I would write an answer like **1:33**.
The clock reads **1:41**
